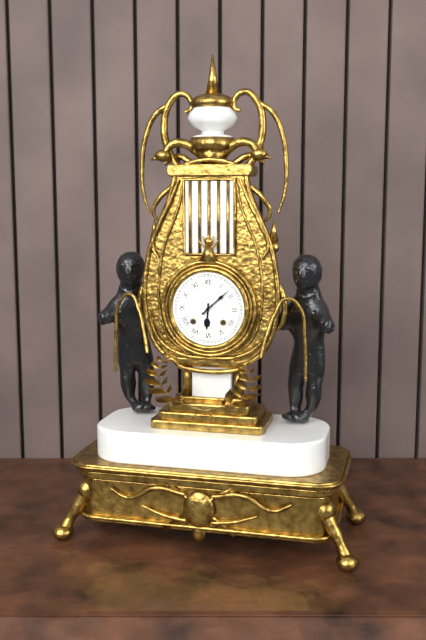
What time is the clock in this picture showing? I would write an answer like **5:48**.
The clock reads **6:08**
